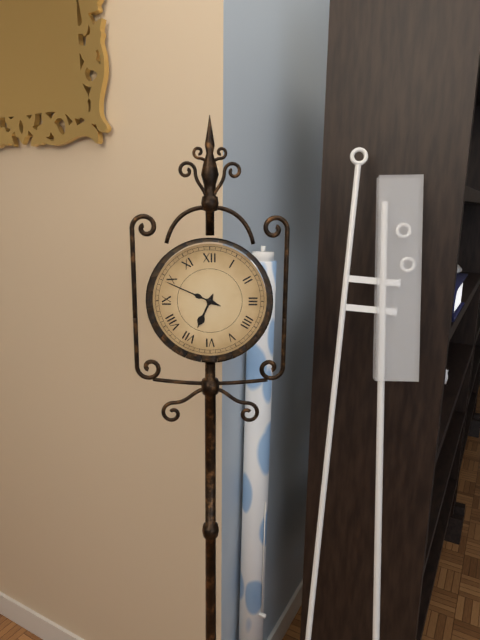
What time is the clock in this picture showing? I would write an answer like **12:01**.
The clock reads **6:49**
